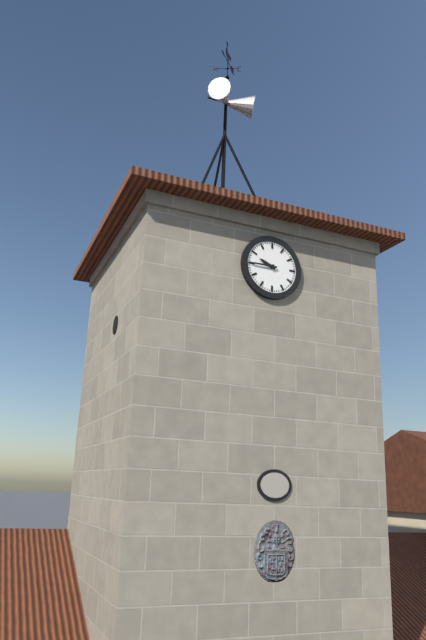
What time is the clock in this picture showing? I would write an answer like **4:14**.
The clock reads **9:45**
